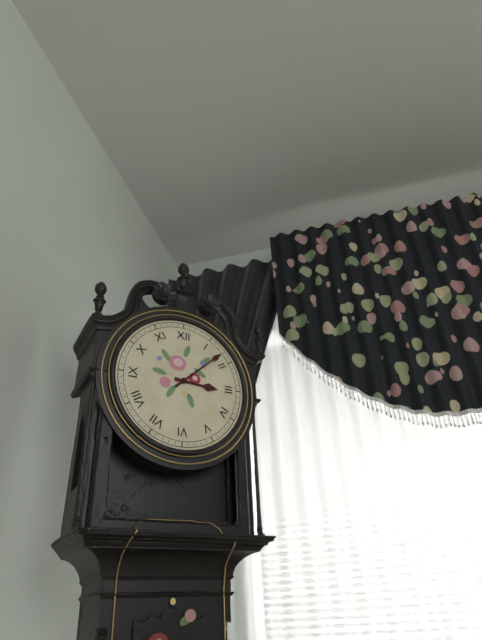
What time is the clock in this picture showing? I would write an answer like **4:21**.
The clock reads **3:08**
